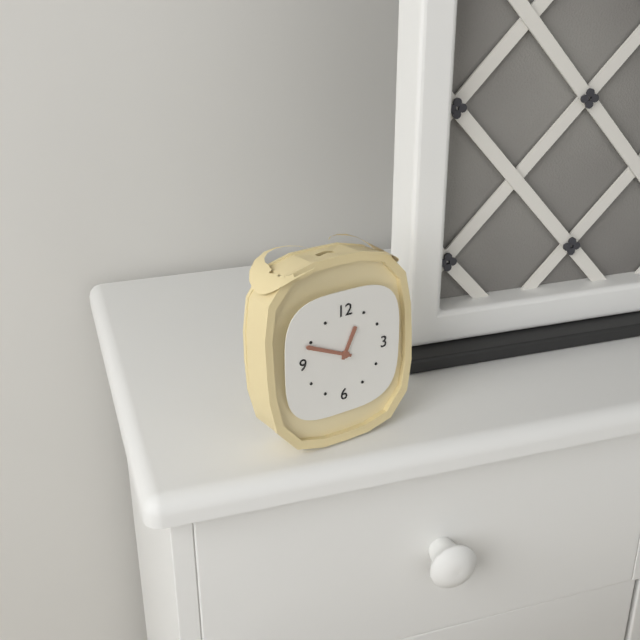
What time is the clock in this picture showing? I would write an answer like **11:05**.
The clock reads **12:49**
